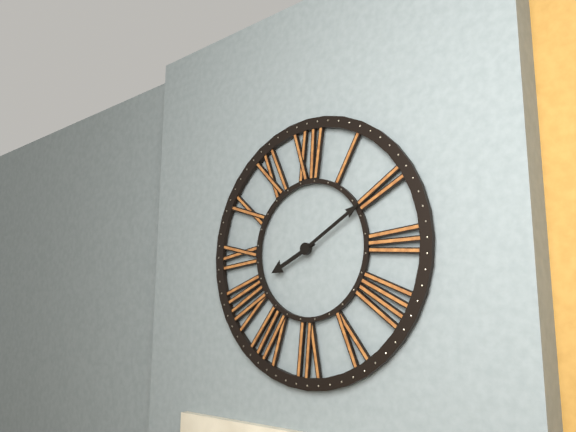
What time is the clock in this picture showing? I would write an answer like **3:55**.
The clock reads **8:10**
